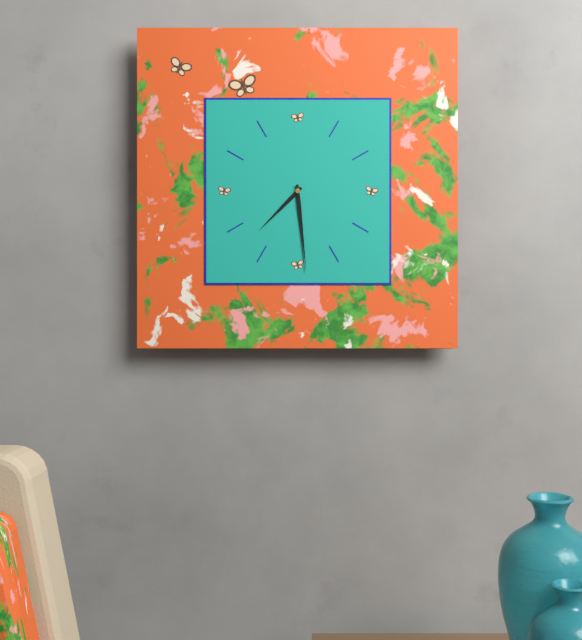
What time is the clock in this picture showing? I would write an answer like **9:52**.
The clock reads **7:29**
